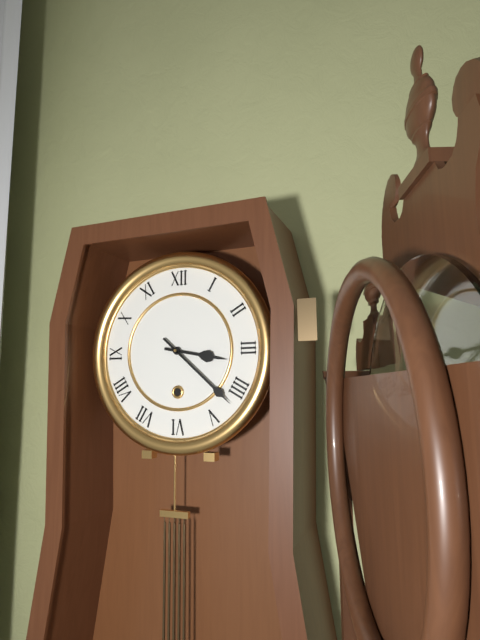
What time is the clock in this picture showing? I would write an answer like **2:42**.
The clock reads **3:22**
